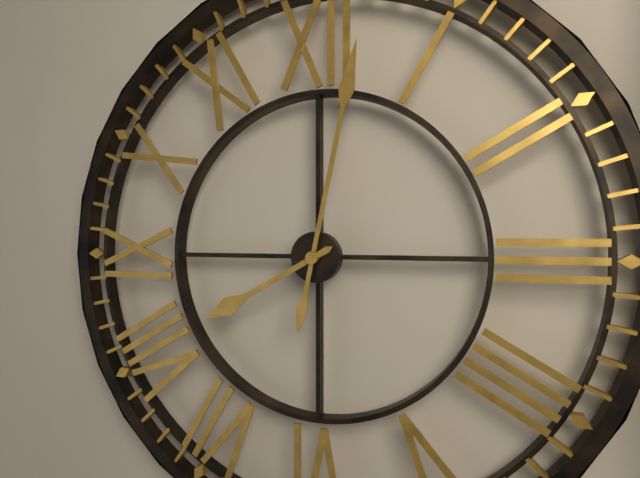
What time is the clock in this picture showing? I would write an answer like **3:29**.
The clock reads **8:02**
